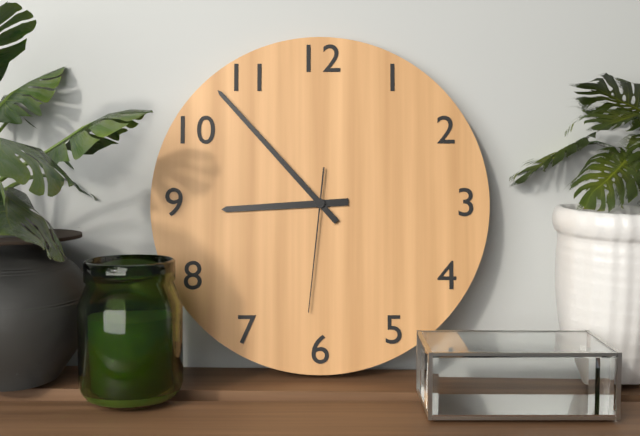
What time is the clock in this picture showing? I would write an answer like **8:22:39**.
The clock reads **8:53:31**
